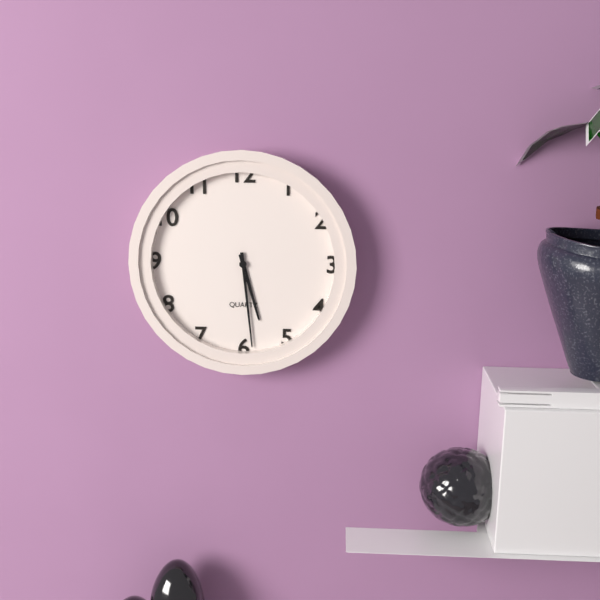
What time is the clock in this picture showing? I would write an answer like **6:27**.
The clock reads **5:29**
